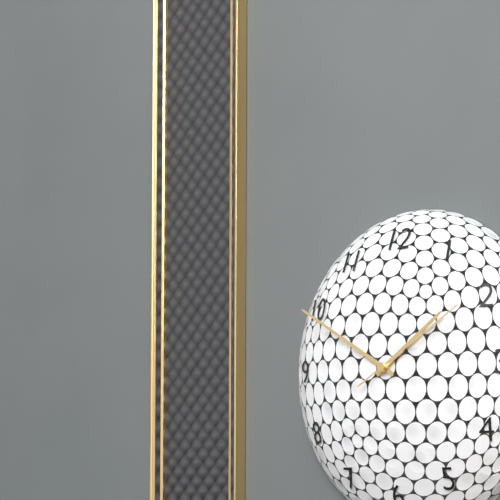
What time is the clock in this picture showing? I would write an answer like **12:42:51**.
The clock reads **1:50:10**
